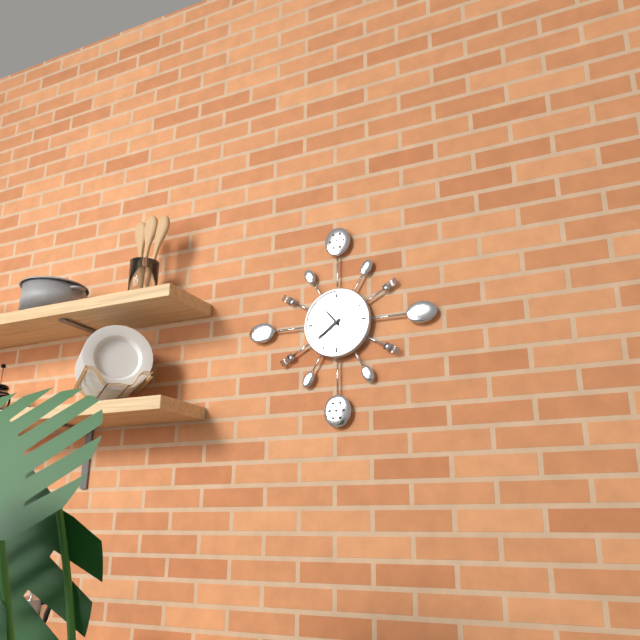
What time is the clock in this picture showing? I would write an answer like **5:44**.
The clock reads **10:39**
